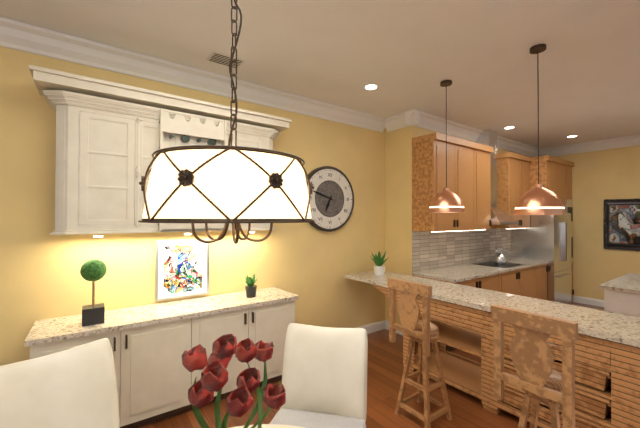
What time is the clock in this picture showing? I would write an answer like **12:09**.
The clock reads **6:48**
